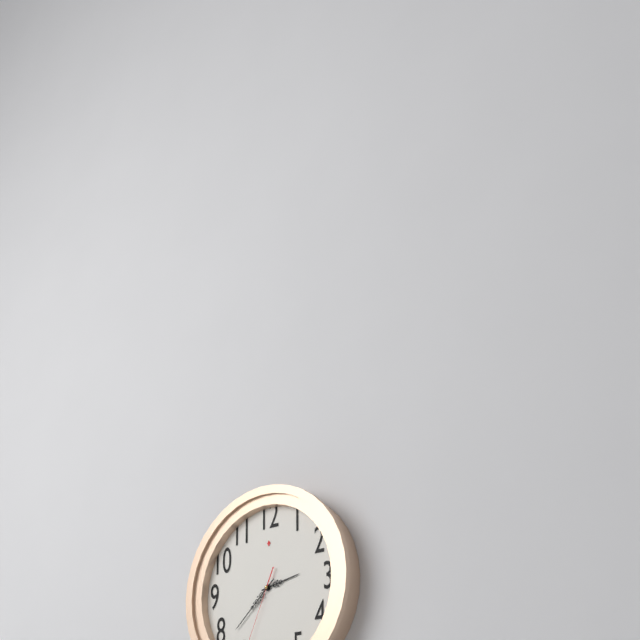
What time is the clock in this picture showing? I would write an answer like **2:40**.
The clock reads **2:38**
